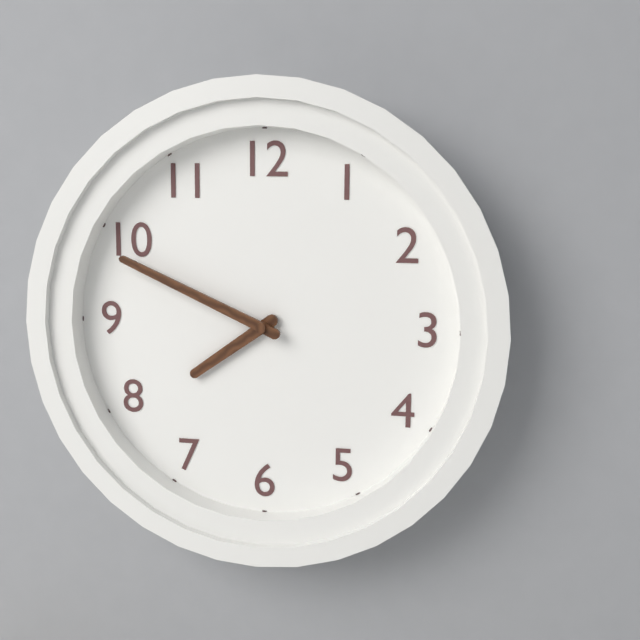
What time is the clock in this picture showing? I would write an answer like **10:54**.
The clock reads **7:49**
